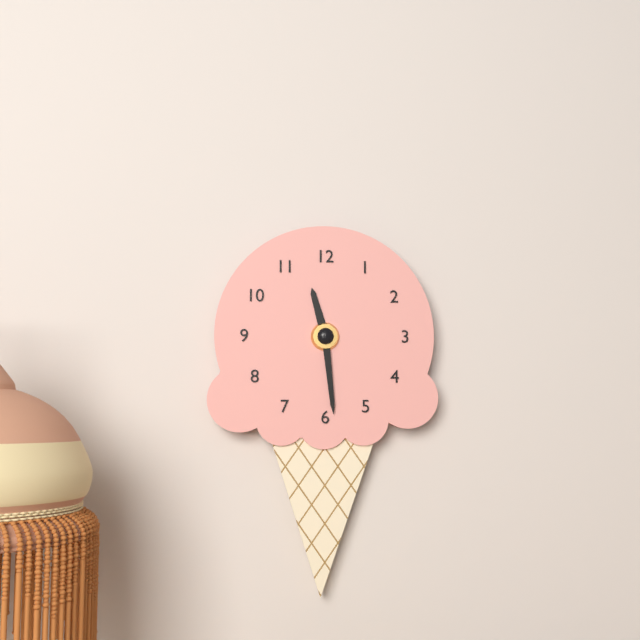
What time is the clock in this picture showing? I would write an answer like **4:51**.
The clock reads **11:29**
